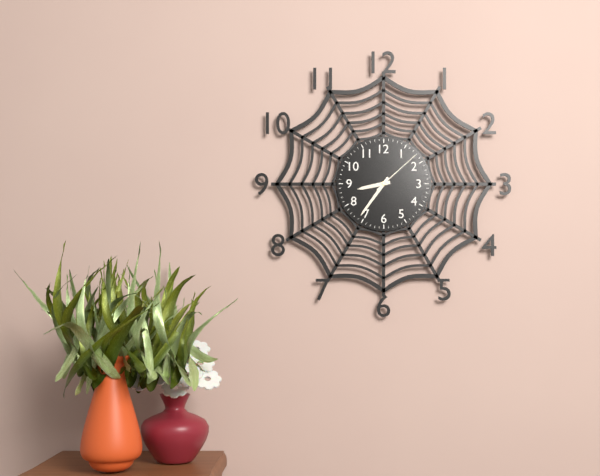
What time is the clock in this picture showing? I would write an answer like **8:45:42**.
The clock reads **8:36:08**
